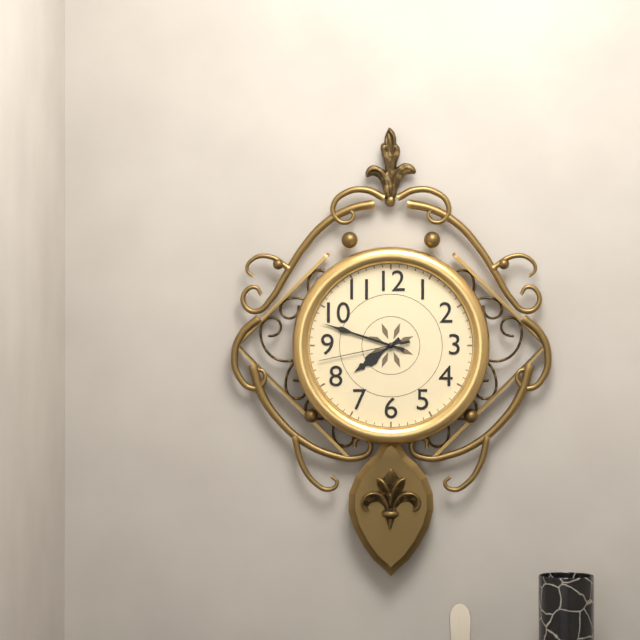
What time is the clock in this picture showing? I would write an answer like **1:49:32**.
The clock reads **7:48:43**
